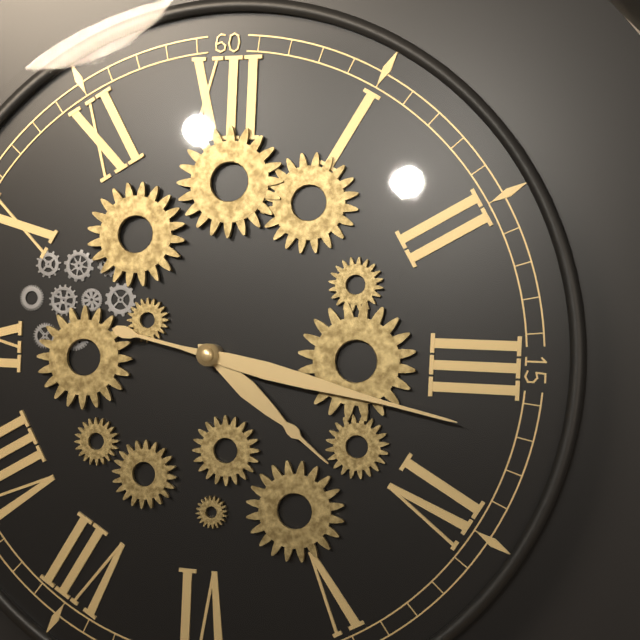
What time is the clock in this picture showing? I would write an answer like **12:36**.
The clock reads **4:17**
